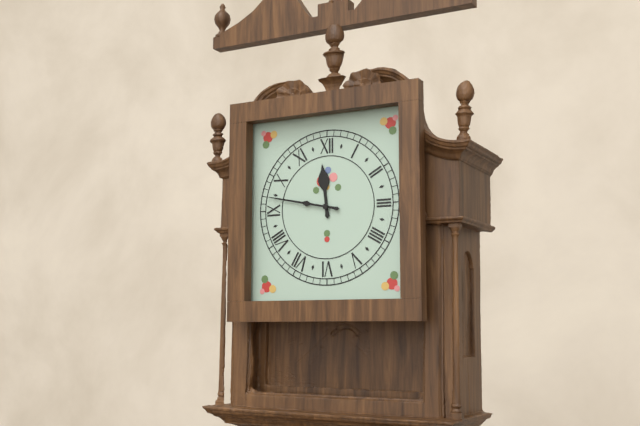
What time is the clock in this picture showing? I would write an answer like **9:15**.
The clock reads **11:47**
